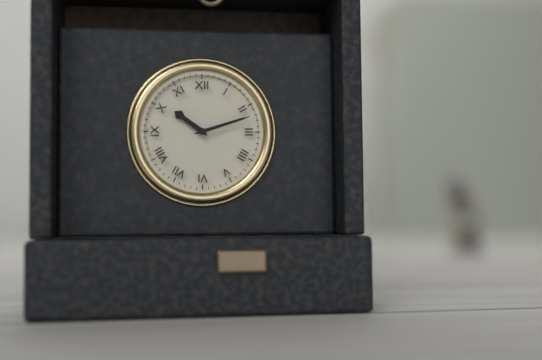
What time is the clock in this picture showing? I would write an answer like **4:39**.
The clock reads **10:12**
